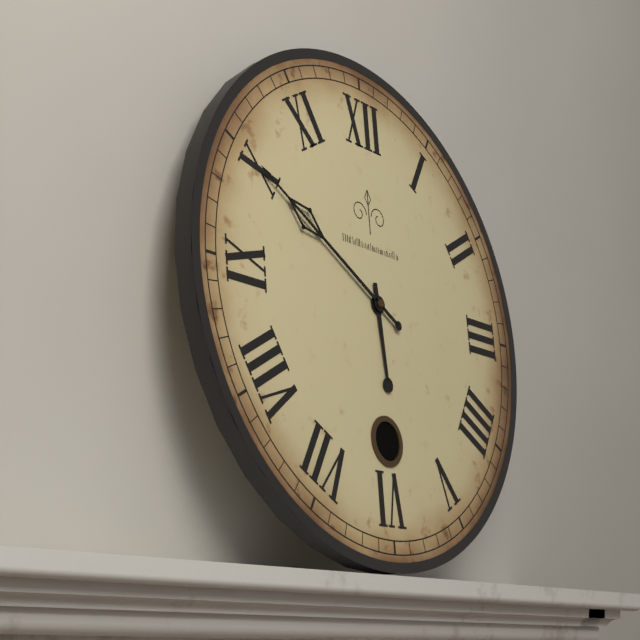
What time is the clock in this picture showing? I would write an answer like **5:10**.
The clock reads **5:50**
